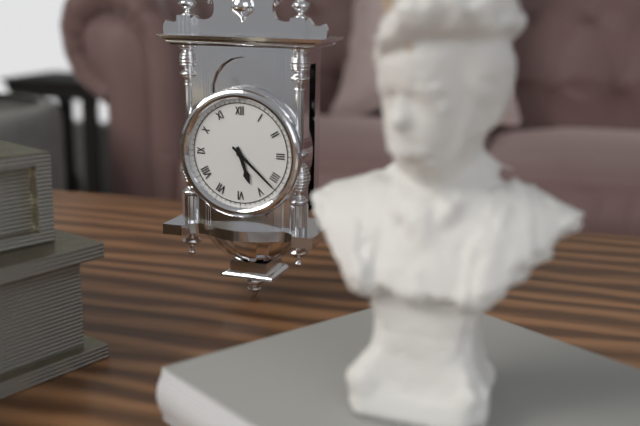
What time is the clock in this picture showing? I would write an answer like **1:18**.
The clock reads **5:22**
